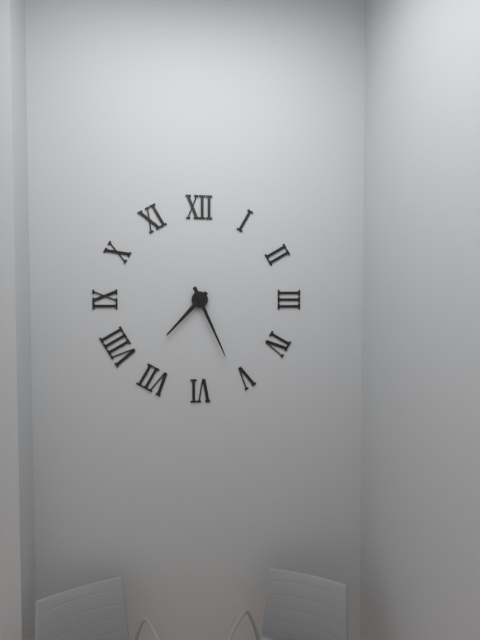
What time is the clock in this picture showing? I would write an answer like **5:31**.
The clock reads **7:26**
